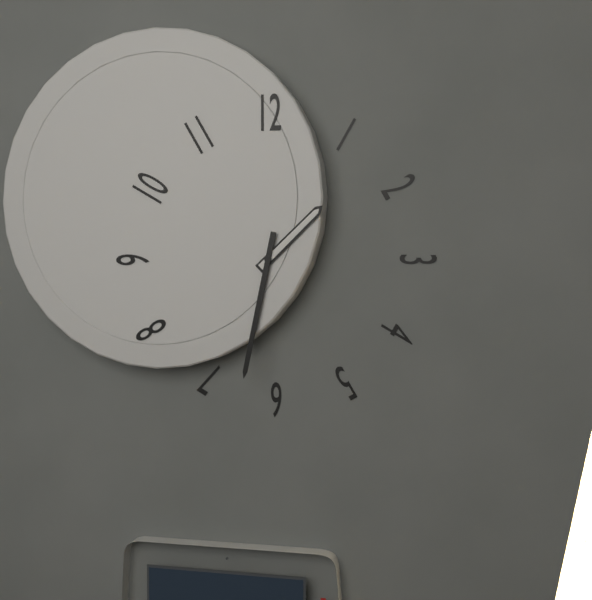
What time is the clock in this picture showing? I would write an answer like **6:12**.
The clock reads **1:32**
